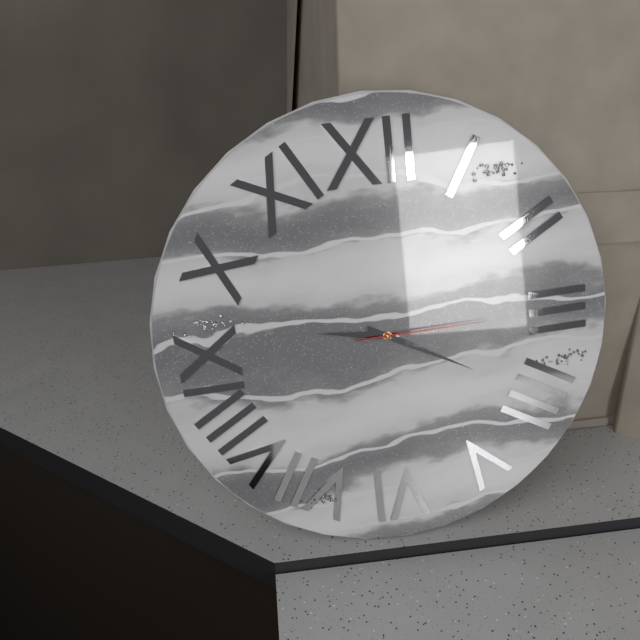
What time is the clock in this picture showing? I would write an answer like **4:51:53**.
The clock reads **9:20:15**
